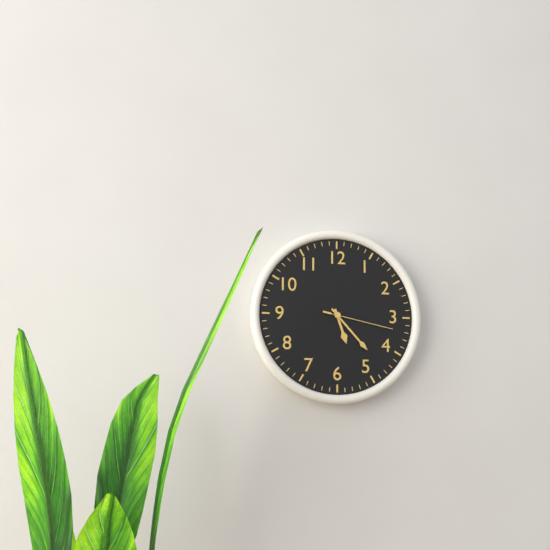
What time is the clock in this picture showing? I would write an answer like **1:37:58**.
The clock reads **5:23:17**
